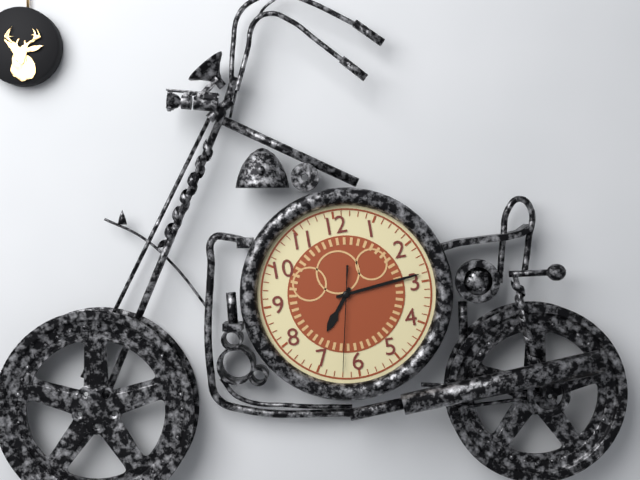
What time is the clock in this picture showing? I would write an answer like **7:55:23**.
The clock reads **7:14:32**
